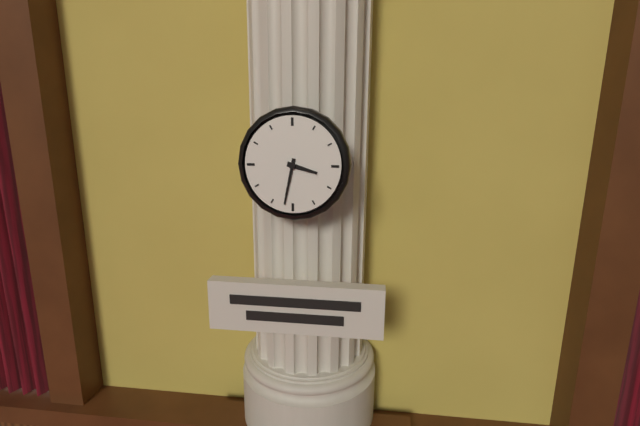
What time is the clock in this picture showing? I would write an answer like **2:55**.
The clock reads **3:32**
